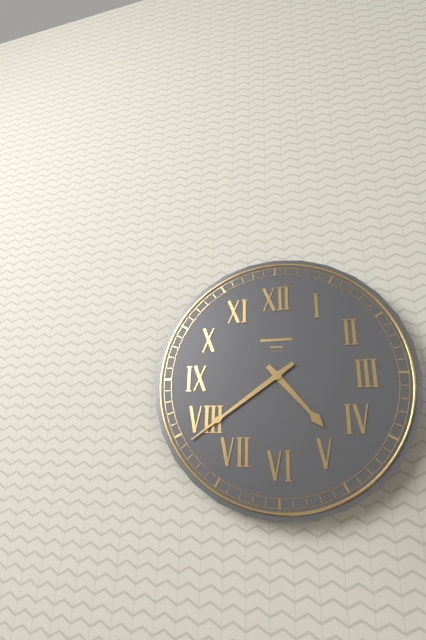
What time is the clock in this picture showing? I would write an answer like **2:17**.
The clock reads **4:39**
